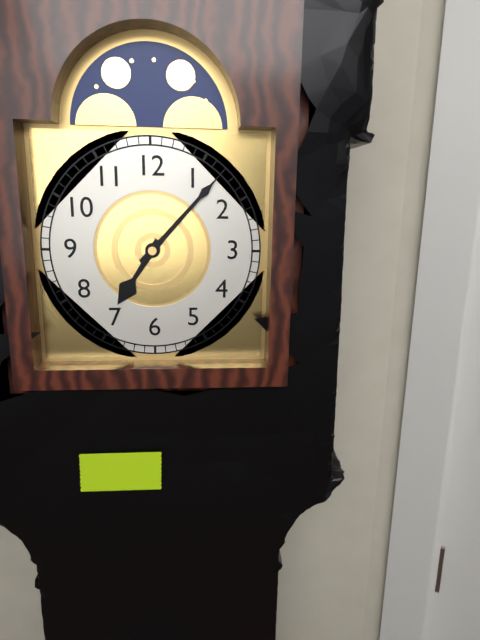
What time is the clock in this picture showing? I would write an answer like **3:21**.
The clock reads **7:07**
